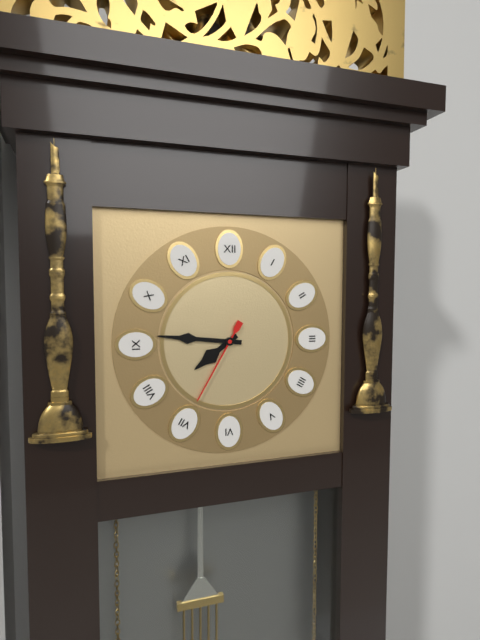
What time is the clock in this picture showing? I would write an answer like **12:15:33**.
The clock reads **7:46:35**
